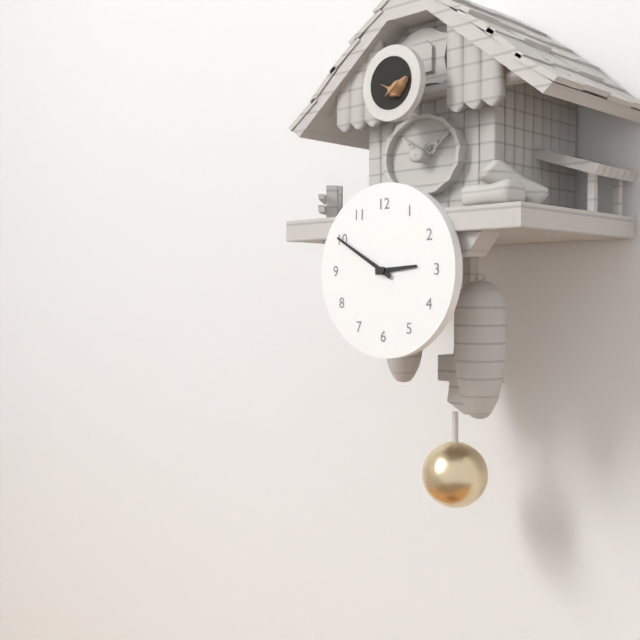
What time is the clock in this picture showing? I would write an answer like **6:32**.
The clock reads **2:50**
